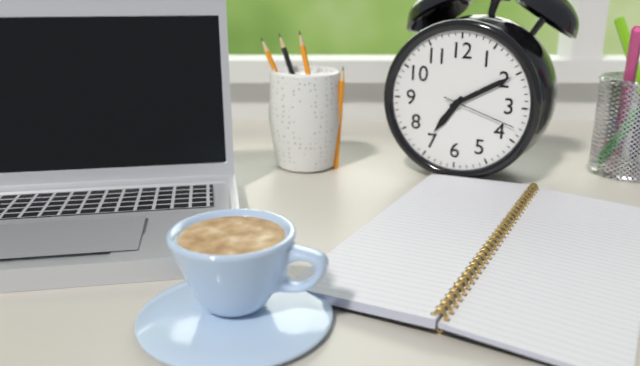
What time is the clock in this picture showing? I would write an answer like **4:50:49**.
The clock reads **7:10:18**
